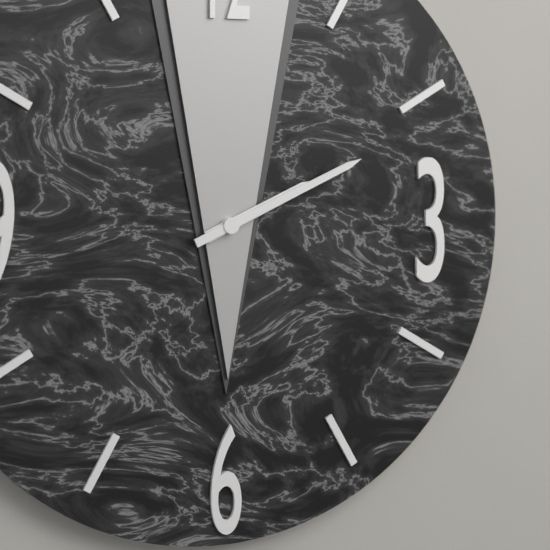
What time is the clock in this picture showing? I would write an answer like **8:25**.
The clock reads **2:11**
